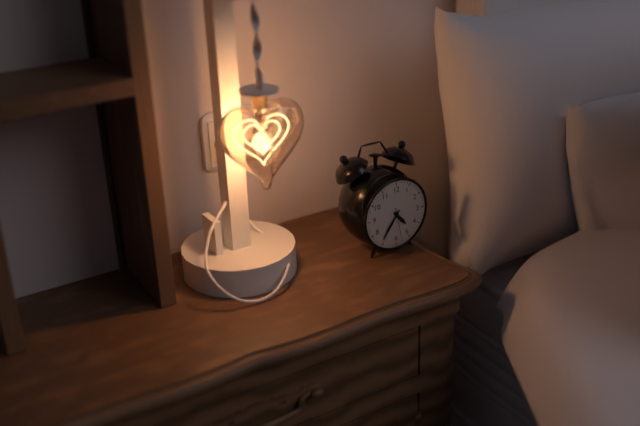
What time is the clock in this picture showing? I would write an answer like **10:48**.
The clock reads **4:36**
